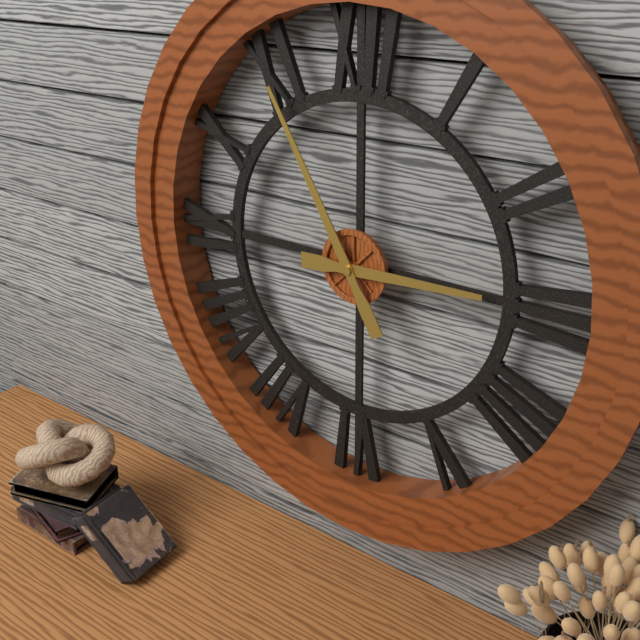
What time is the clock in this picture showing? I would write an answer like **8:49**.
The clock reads **2:55**
